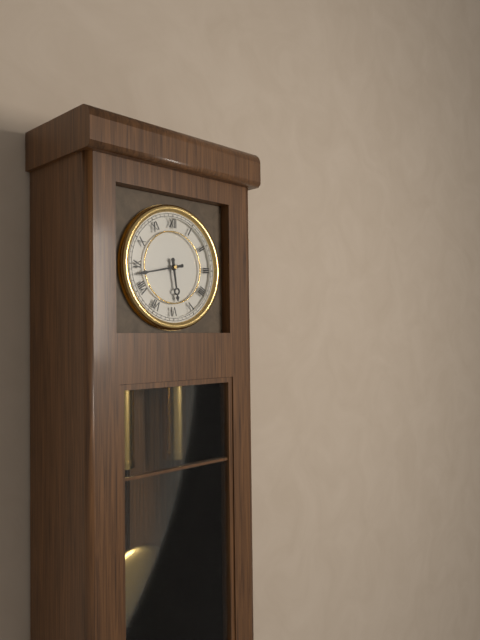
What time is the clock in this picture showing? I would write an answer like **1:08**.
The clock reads **5:43**
